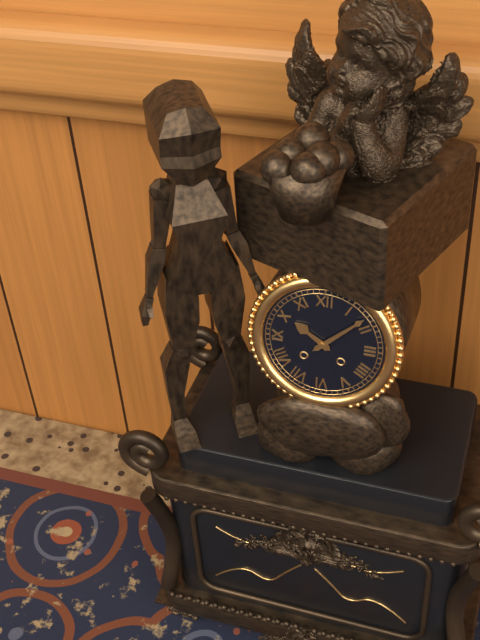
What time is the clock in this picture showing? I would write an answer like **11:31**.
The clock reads **10:08**
